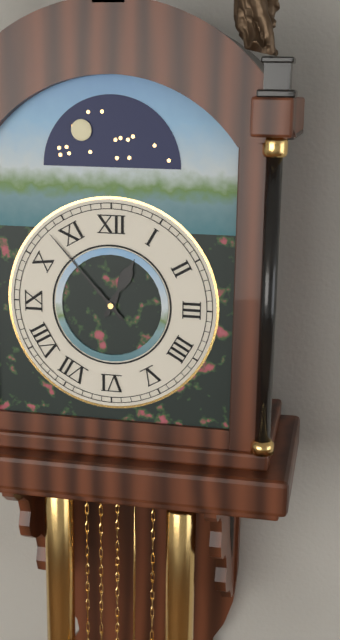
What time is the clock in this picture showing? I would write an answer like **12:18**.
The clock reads **12:53**
